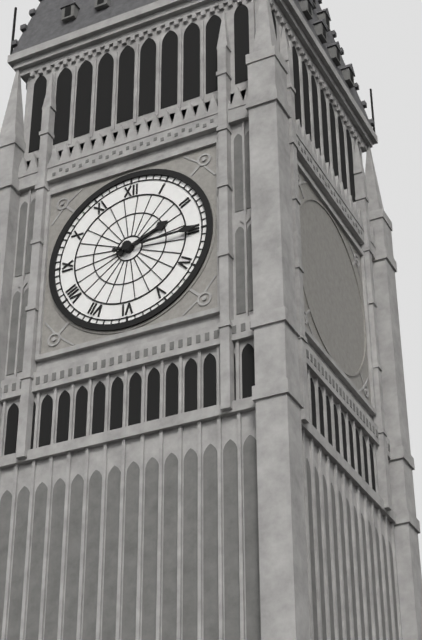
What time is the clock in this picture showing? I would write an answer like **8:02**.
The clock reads **2:15**
